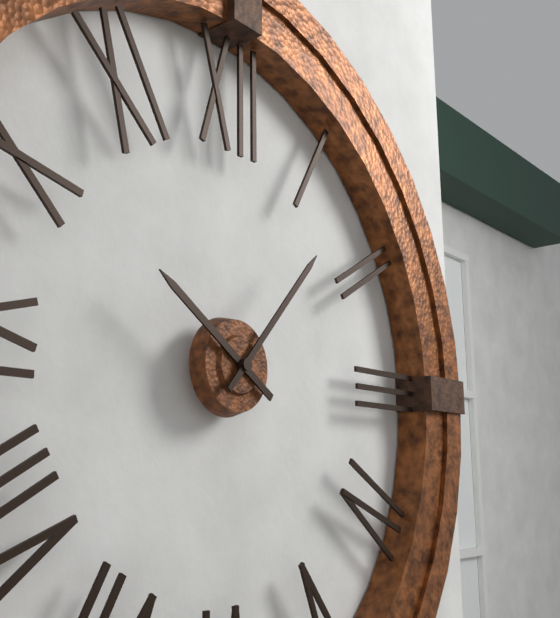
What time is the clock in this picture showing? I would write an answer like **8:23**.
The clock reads **10:07**
